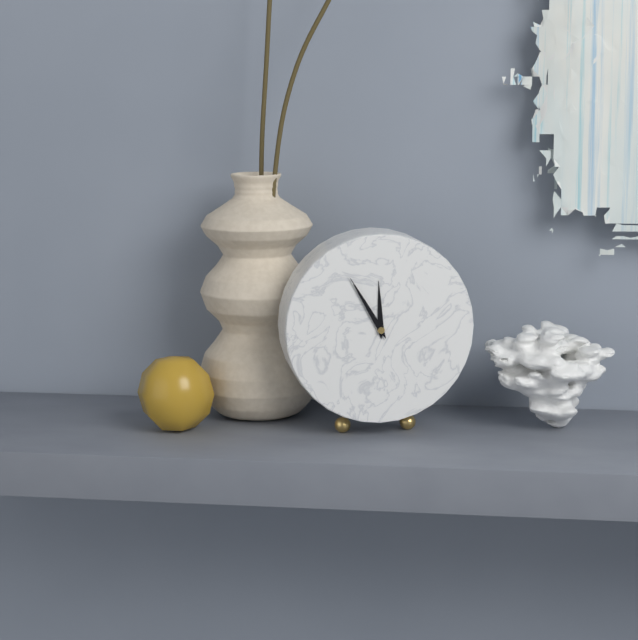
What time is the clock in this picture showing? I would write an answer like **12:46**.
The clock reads **11:55**
